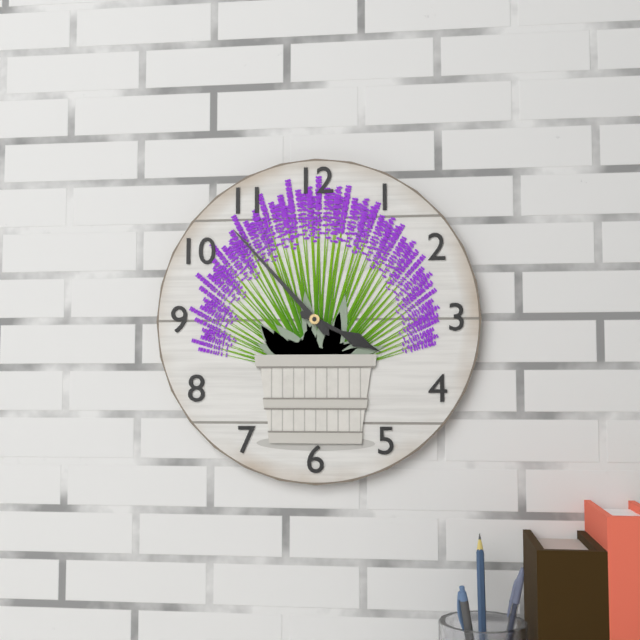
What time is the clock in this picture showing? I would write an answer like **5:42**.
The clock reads **3:53**
